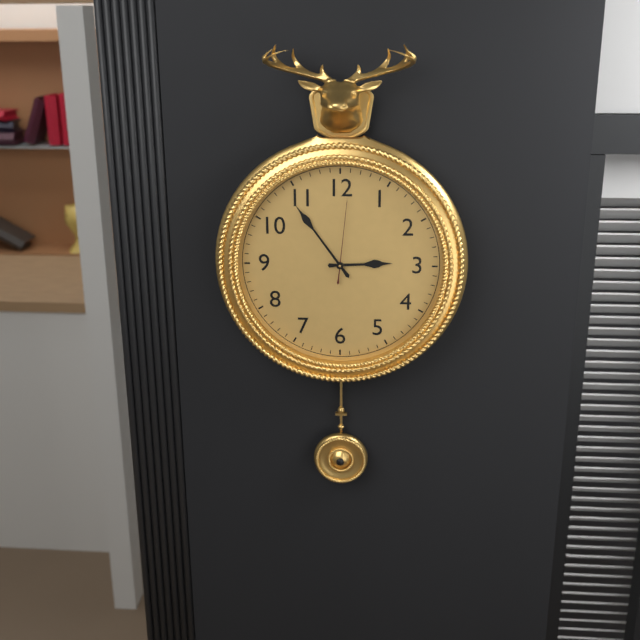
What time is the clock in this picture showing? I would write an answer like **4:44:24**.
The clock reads **2:54:01**
